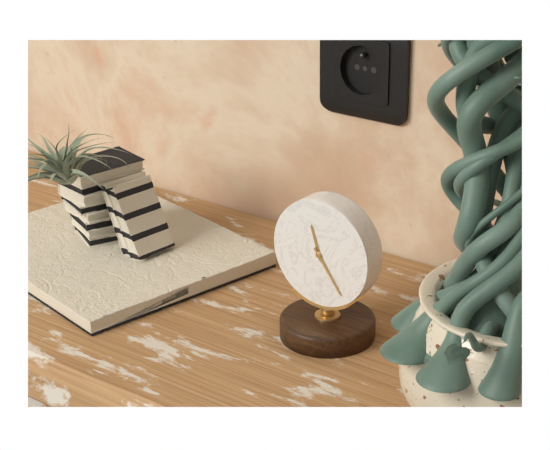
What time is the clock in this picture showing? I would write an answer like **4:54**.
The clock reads **11:24**
